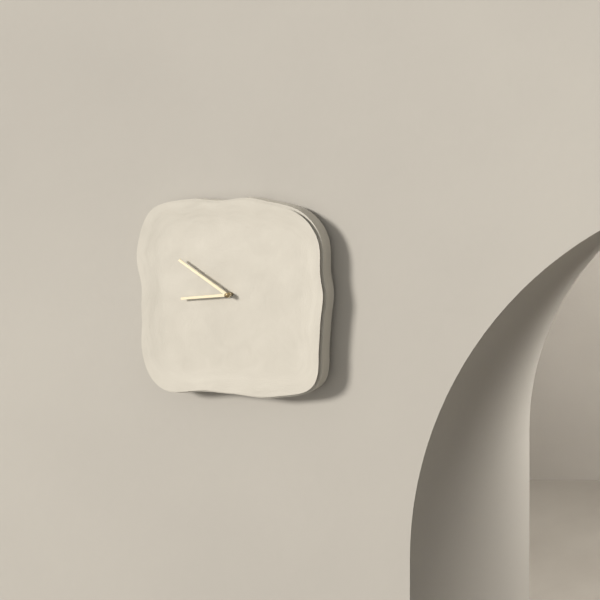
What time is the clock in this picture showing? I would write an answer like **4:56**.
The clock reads **8:51**
